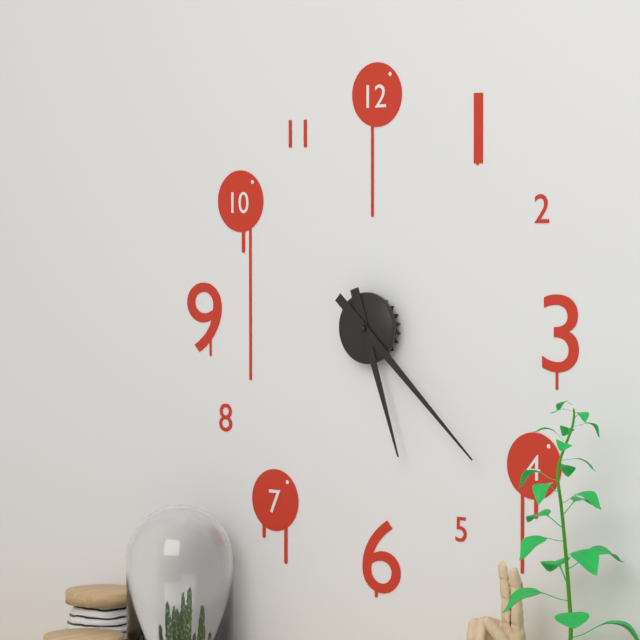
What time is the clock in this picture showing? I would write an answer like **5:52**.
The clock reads **5:22**
